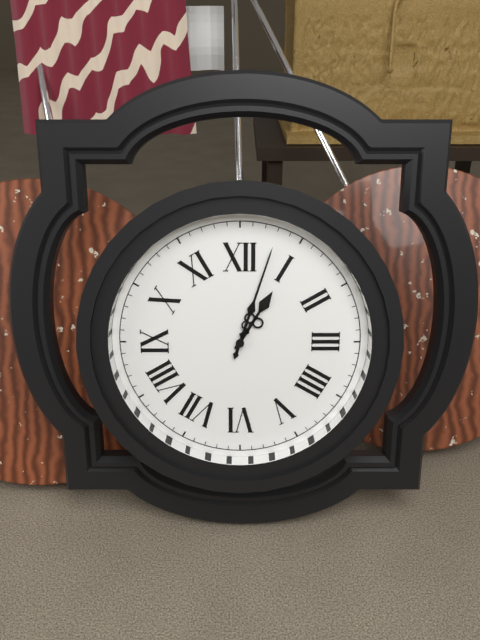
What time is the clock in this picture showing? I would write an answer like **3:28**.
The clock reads **1:03**
